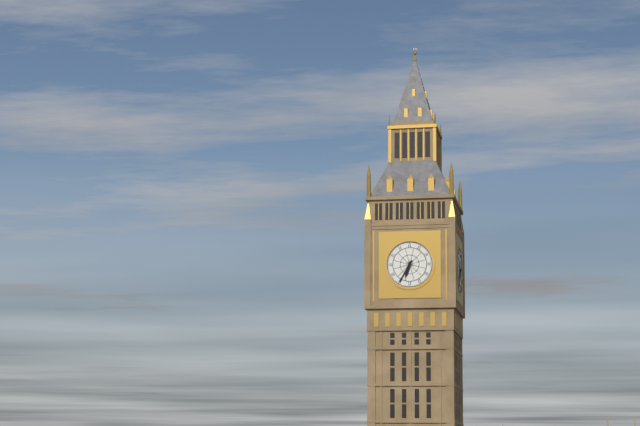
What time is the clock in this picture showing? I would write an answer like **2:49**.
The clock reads **6:35**
